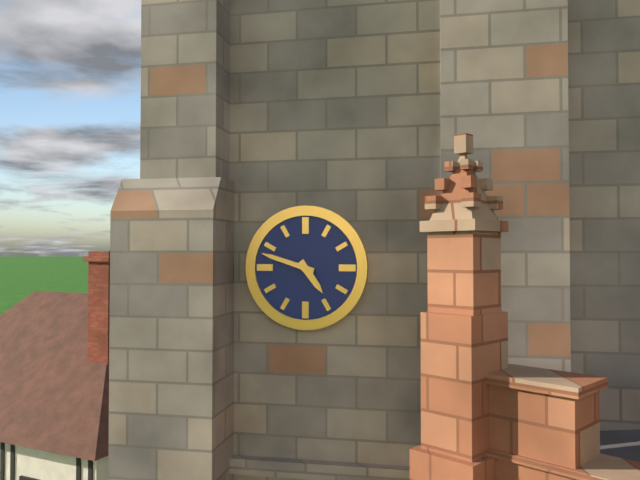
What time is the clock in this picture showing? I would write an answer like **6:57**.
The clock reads **4:48**
